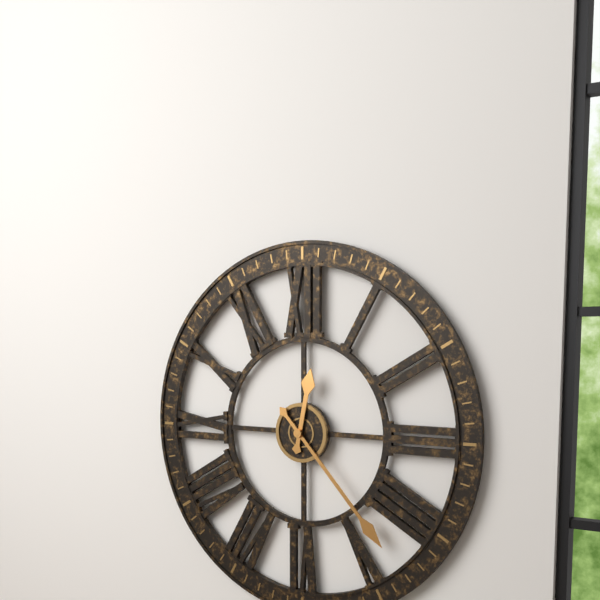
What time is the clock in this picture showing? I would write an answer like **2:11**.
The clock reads **12:23**
